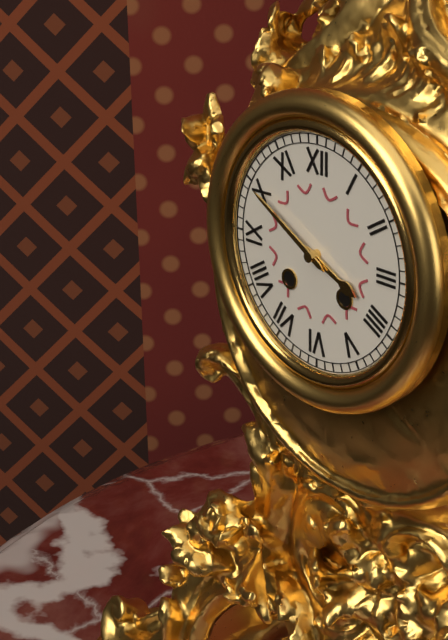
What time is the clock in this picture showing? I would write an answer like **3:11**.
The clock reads **3:50**
